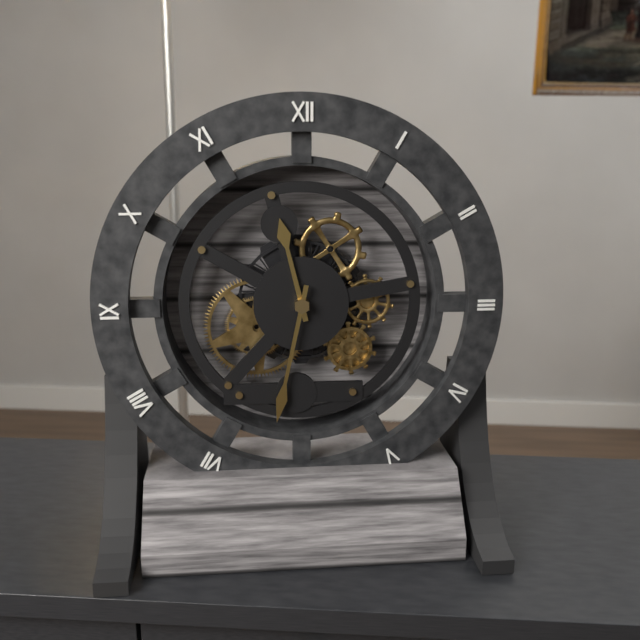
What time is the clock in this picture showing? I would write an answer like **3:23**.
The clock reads **11:32**
